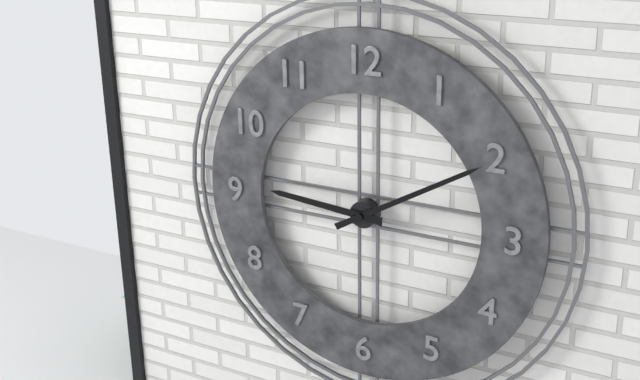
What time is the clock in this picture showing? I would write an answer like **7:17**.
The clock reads **9:10**
